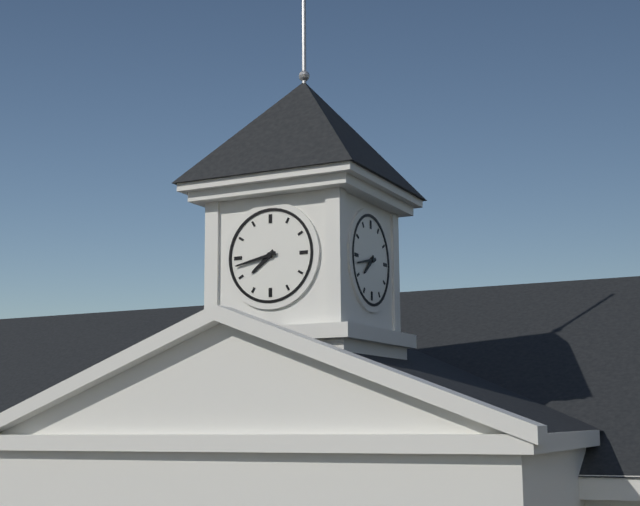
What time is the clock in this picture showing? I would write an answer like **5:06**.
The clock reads **7:43**
